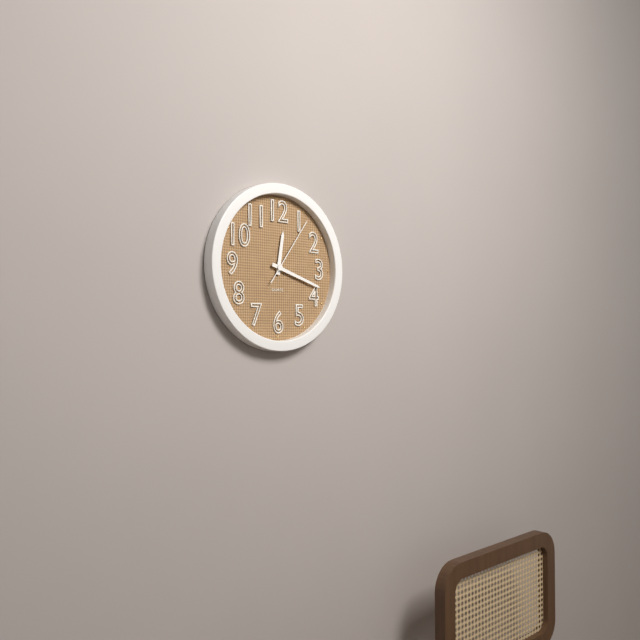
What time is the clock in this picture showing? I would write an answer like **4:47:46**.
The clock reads **12:18:06**
